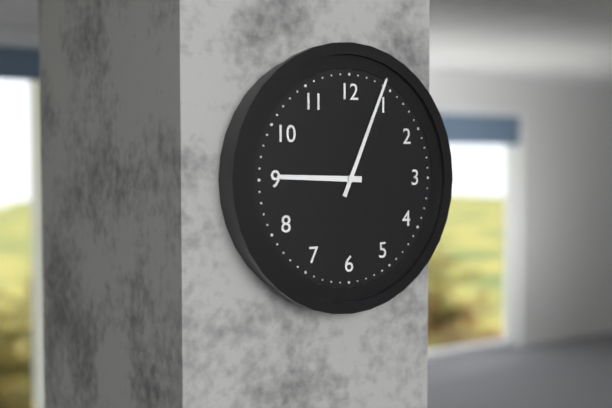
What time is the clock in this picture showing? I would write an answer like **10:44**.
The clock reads **9:04**
